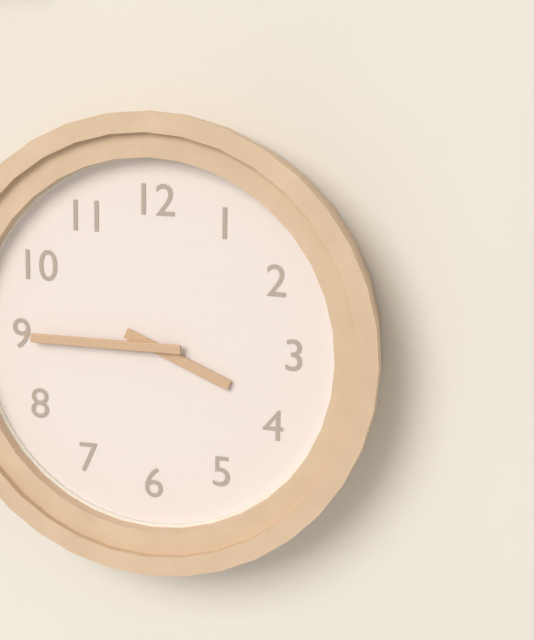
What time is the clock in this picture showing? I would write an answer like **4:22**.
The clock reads **3:45**
